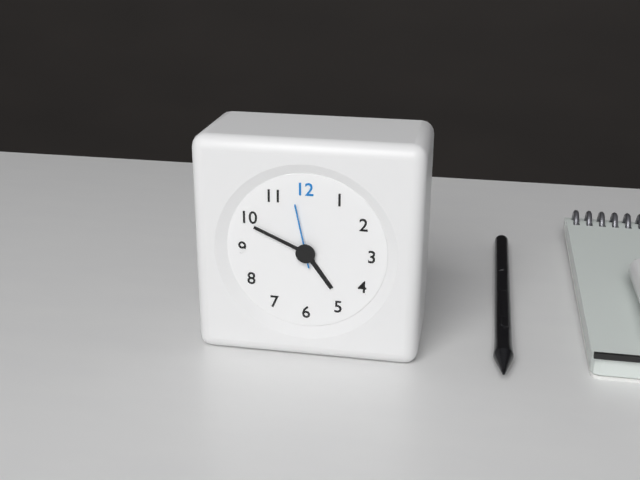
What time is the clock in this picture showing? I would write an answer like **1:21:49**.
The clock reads **4:49:58**
